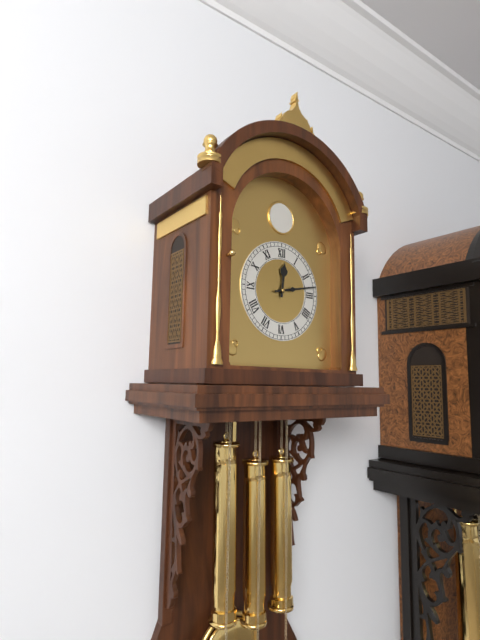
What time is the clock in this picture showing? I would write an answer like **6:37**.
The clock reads **12:13**
